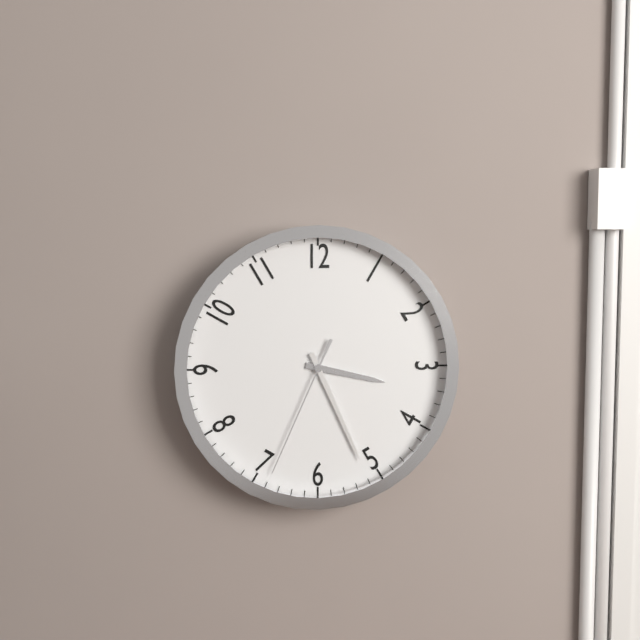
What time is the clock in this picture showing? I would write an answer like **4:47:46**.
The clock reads **3:26:34**
